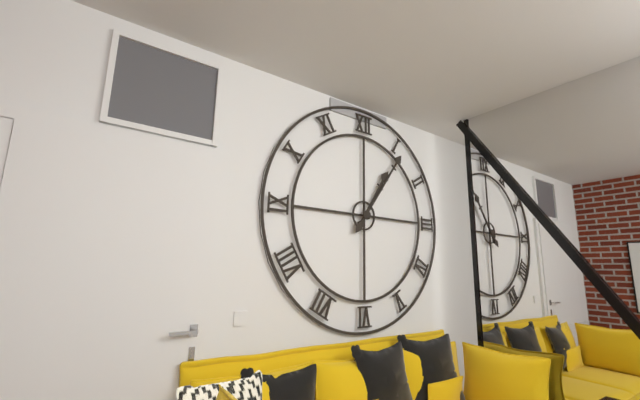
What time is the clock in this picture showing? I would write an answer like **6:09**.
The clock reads **1:06**
